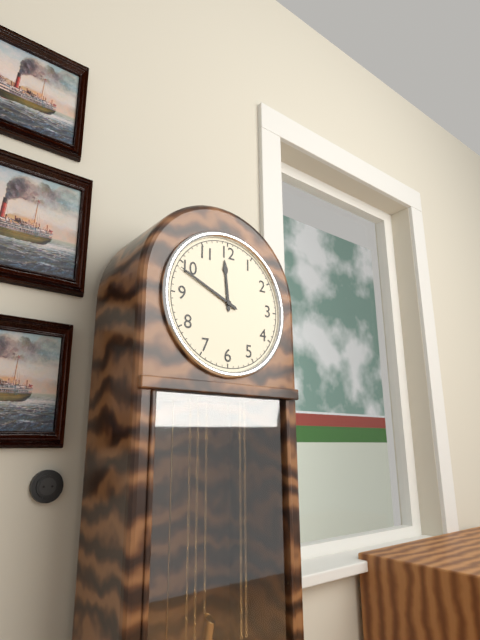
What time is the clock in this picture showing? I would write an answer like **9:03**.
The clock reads **11:49**
